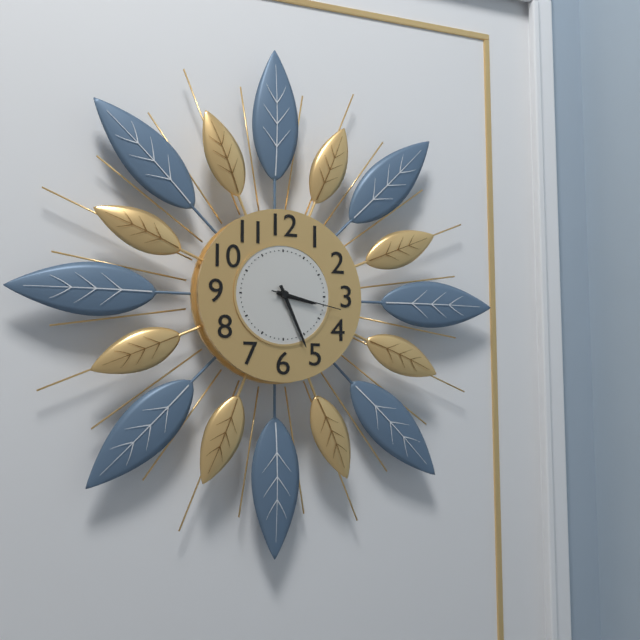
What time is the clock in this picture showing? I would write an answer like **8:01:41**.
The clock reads **3:26:17**
